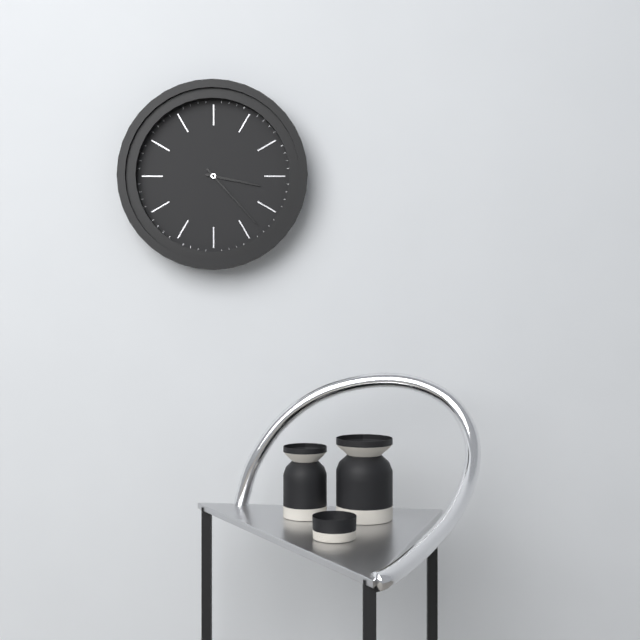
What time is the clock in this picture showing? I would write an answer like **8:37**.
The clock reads **3:23**
